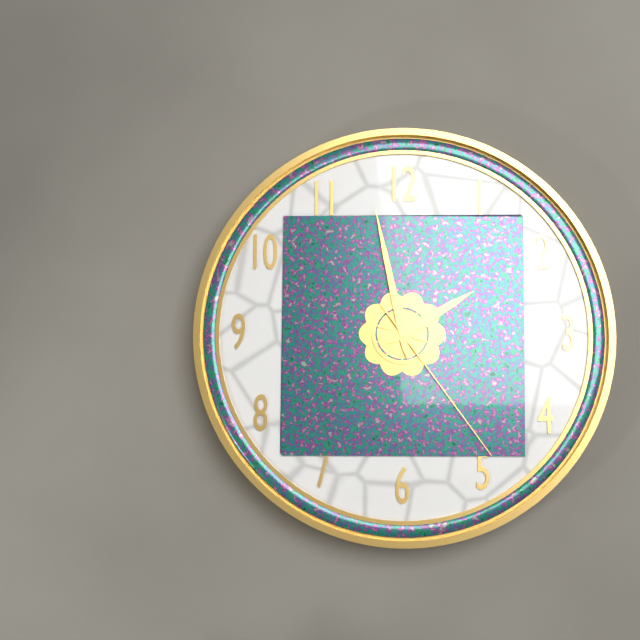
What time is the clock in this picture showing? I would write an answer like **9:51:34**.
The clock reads **1:58:24**
